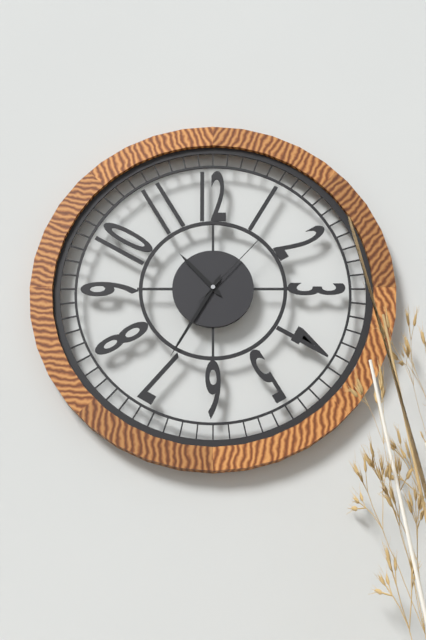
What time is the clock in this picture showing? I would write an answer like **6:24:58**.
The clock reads **10:35:07**
